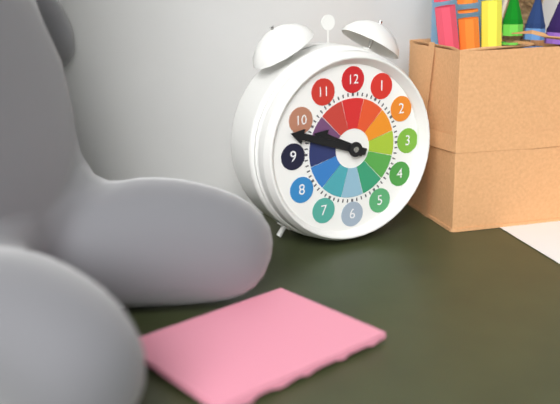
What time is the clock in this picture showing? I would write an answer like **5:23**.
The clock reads **9:48**
